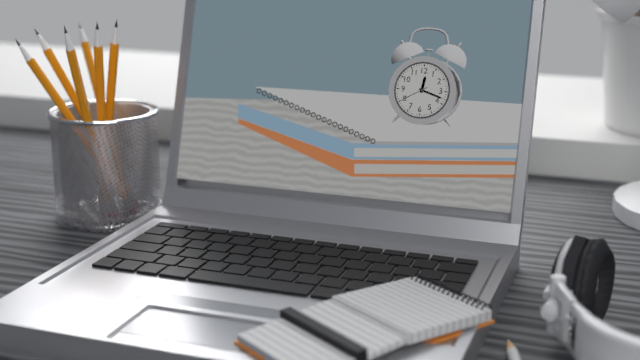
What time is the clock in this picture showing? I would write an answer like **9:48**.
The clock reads **12:18**
